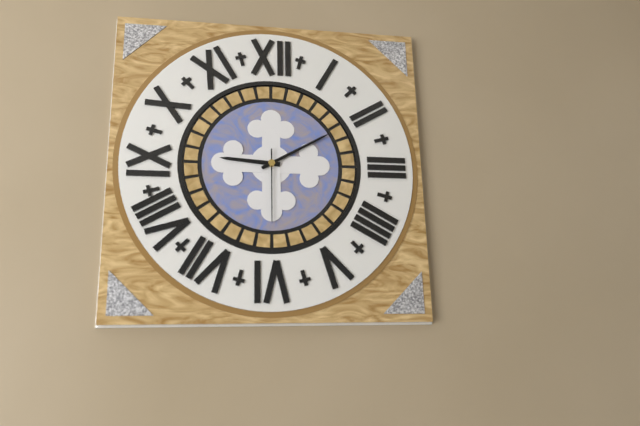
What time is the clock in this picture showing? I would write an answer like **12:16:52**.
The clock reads **9:10:30**
